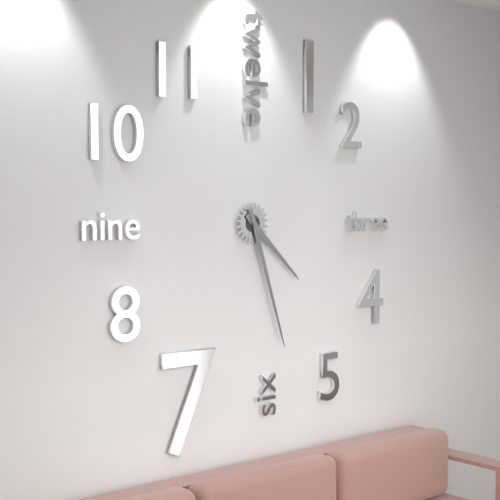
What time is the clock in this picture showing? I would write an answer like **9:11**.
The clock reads **4:27**
